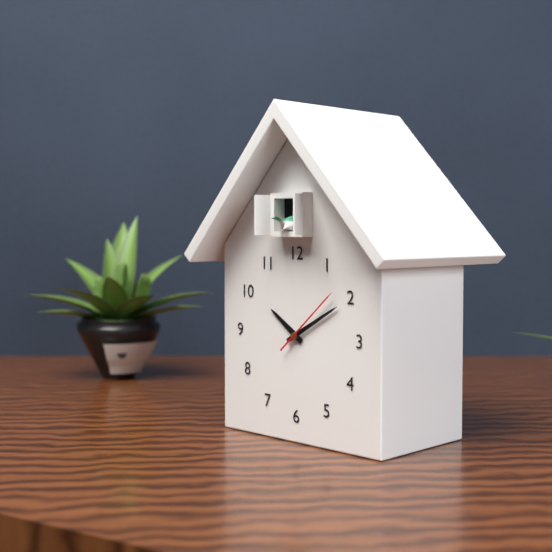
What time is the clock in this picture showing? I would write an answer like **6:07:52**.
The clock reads **10:10:08**
